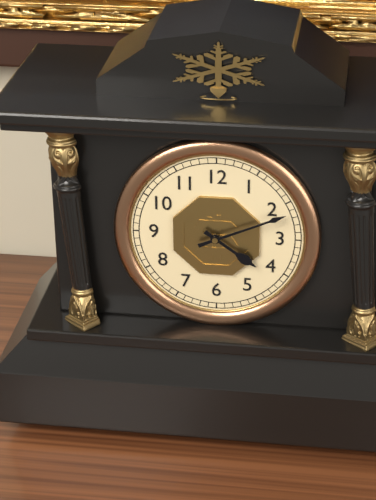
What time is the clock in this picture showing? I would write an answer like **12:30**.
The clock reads **4:11**
